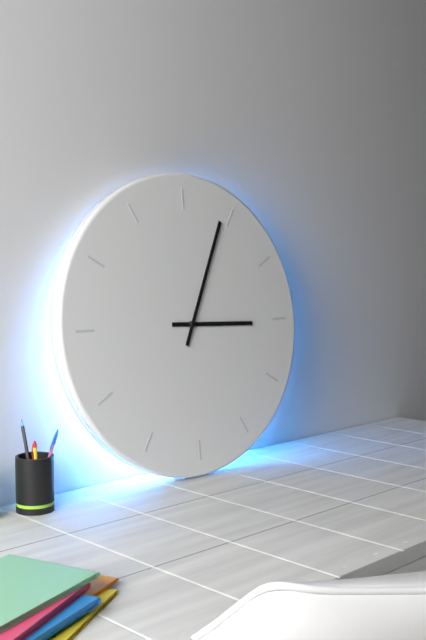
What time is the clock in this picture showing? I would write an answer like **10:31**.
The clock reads **3:04**
